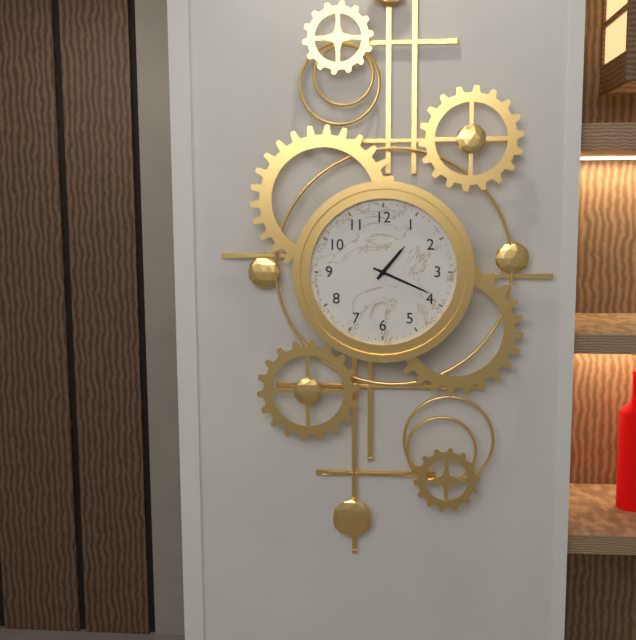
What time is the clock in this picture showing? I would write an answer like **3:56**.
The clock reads **1:19**
